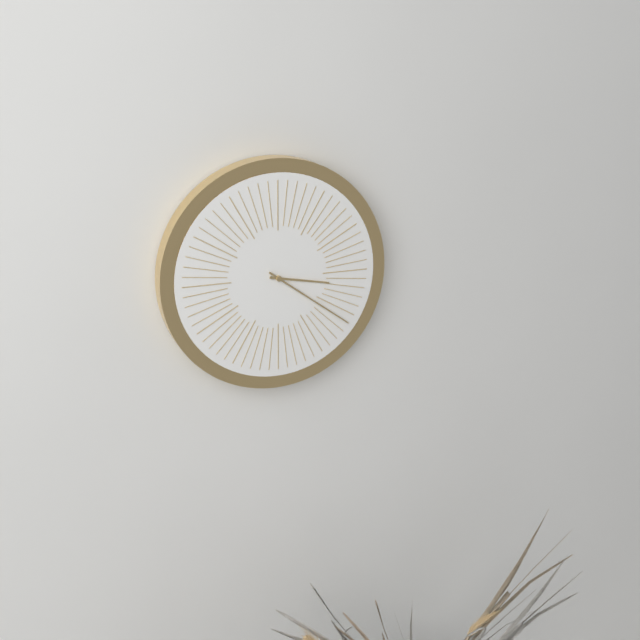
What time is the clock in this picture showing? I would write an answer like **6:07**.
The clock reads **3:21**
